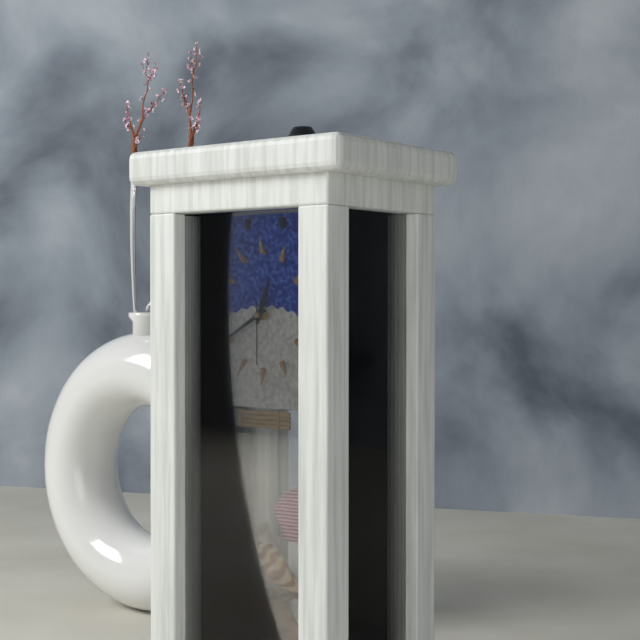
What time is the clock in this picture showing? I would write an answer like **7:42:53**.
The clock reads **12:40:30**
